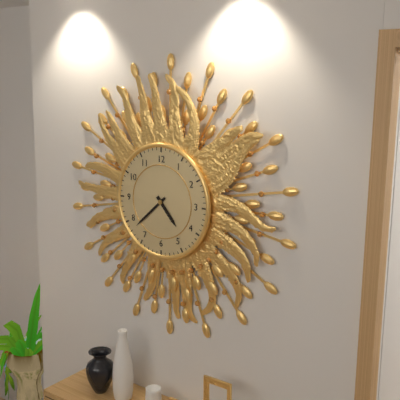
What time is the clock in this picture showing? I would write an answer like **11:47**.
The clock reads **4:38**
